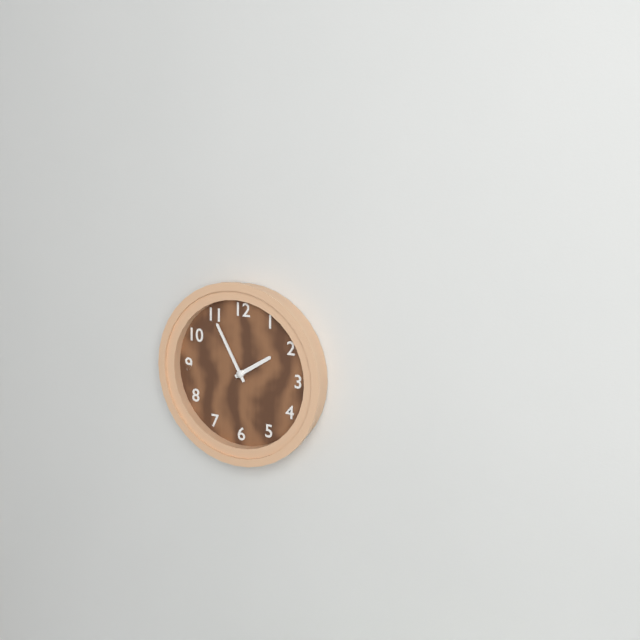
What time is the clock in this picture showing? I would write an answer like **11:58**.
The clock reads **1:55**
